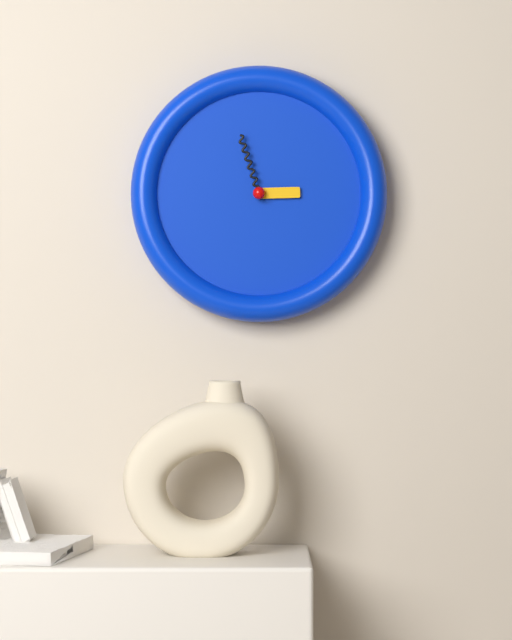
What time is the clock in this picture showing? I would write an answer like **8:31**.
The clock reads **2:57**
